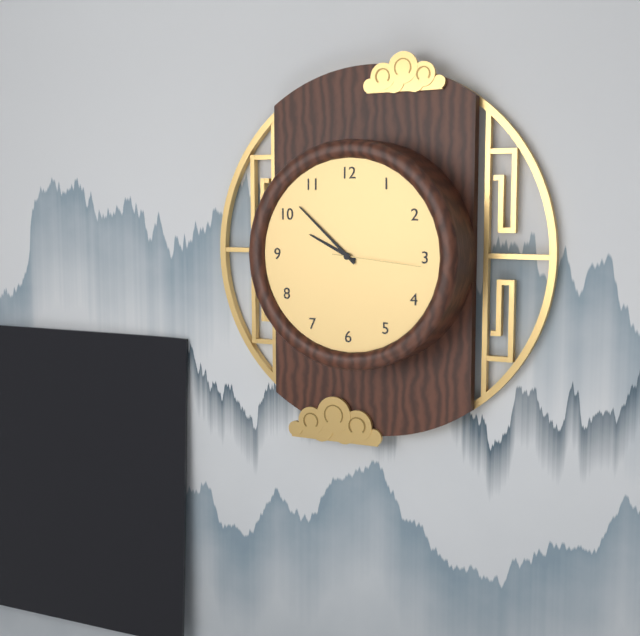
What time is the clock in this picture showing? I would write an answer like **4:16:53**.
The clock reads **9:52:16**
